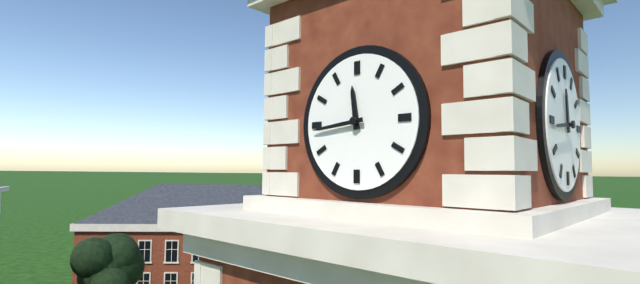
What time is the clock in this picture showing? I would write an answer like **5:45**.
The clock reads **11:44**
